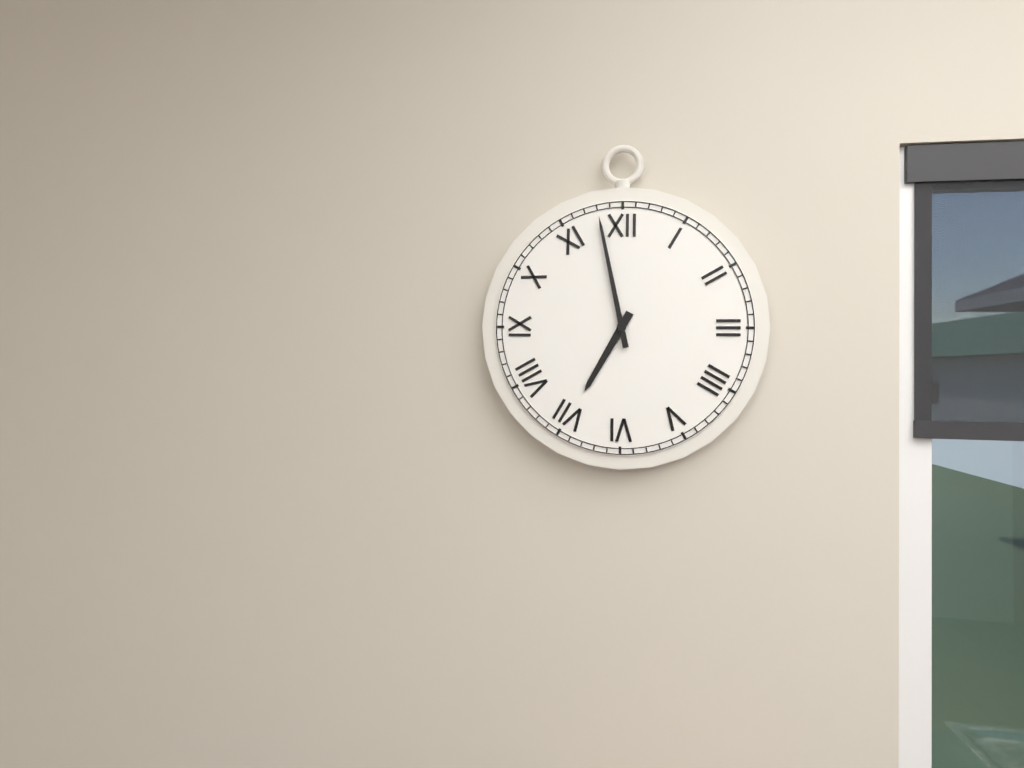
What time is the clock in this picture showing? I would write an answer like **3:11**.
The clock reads **6:58**
